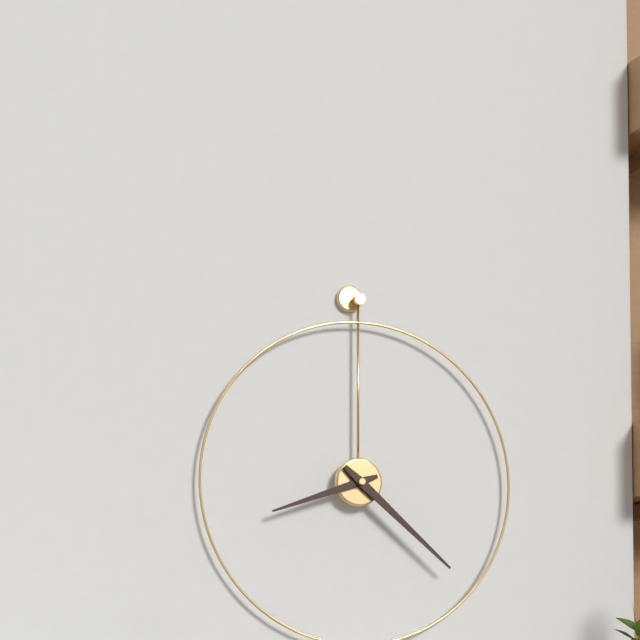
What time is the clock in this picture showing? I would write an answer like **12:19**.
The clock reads **8:22**
